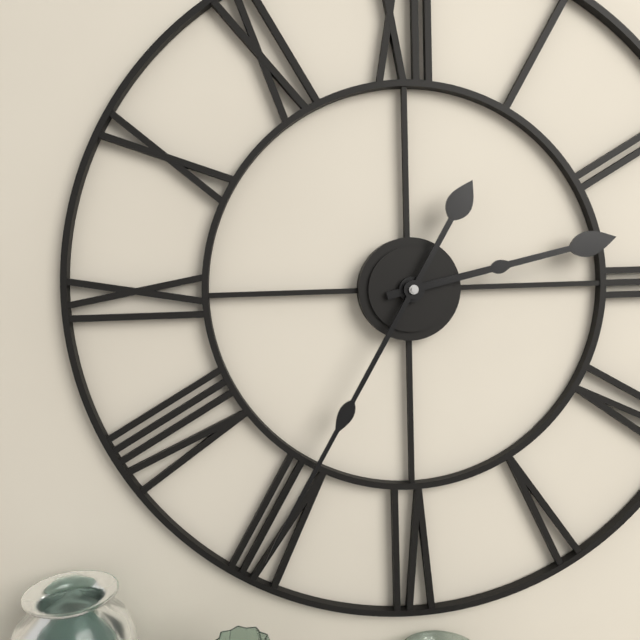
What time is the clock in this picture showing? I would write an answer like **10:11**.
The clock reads **2:35**
